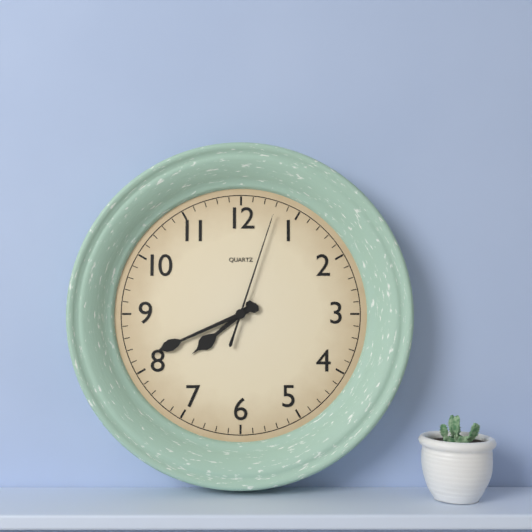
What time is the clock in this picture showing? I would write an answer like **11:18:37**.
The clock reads **7:41:03**
